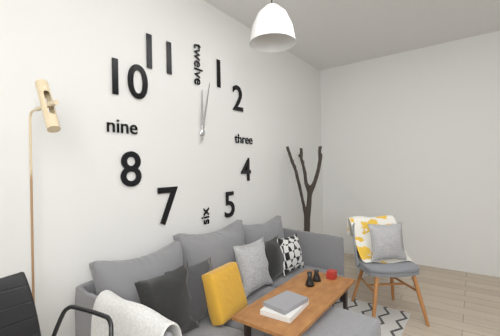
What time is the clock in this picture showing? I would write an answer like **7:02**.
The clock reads **12:02**
